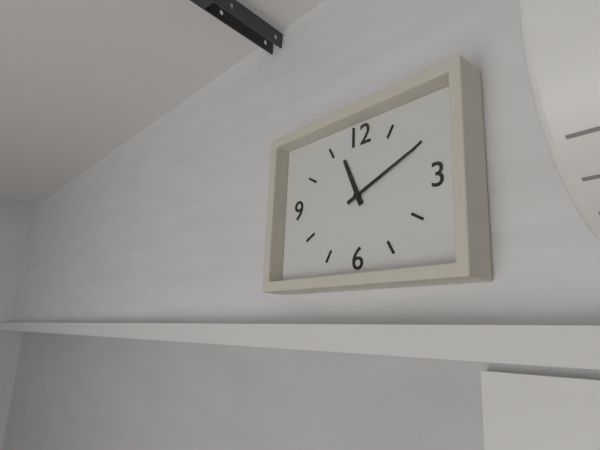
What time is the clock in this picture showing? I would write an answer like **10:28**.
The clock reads **11:11**
